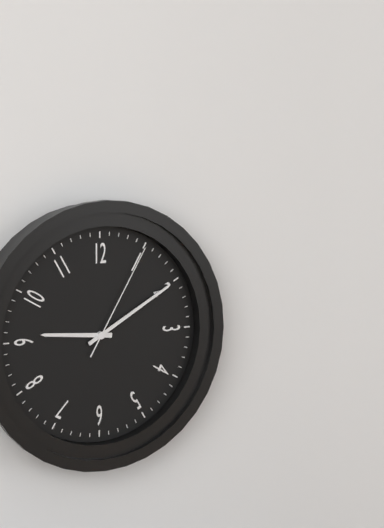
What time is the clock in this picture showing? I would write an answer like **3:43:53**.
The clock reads **9:10:05**
